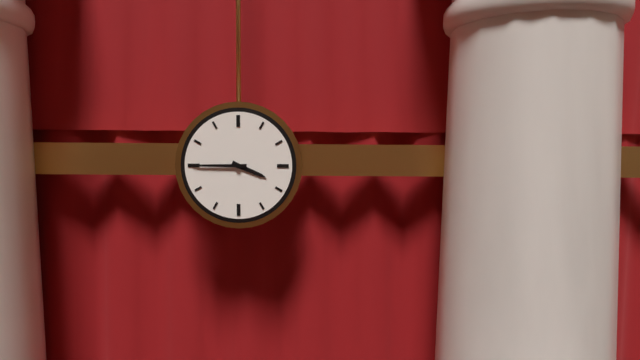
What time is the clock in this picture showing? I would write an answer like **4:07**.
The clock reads **3:45**
